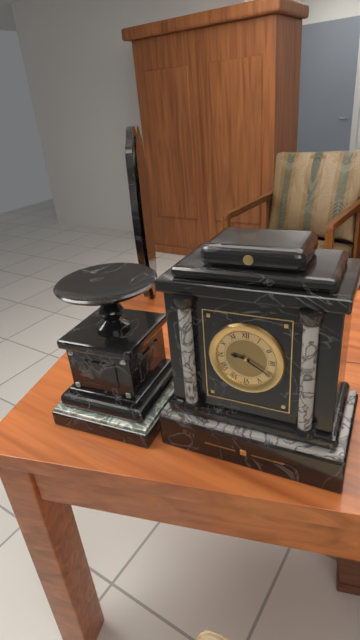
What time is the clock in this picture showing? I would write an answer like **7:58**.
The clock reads **9:20**
